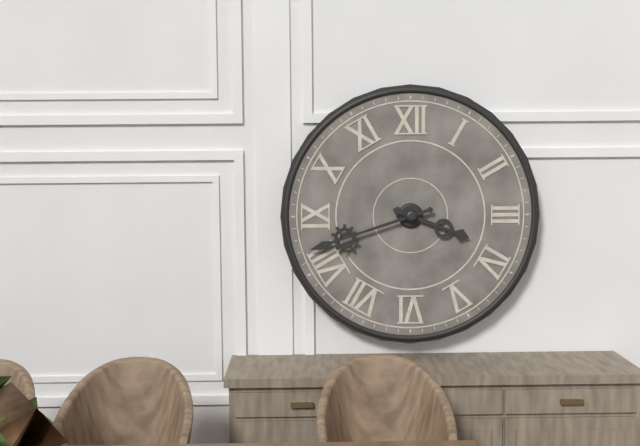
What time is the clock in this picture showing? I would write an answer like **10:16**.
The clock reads **3:42**
